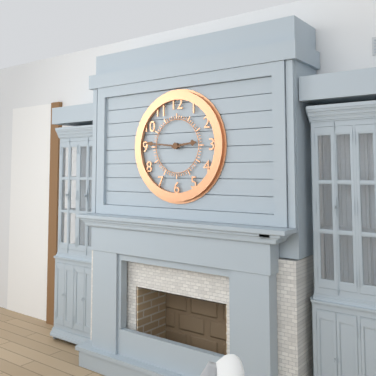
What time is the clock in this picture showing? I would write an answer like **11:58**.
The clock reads **2:46**
